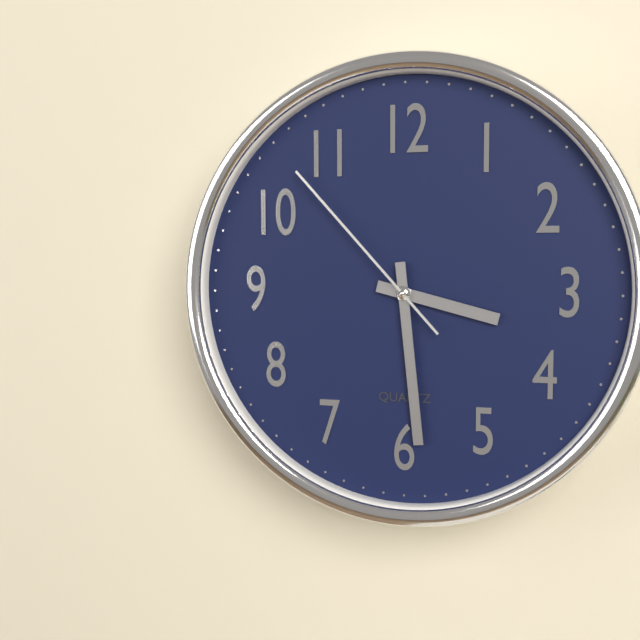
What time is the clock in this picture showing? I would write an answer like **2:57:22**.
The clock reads **3:29:53**
